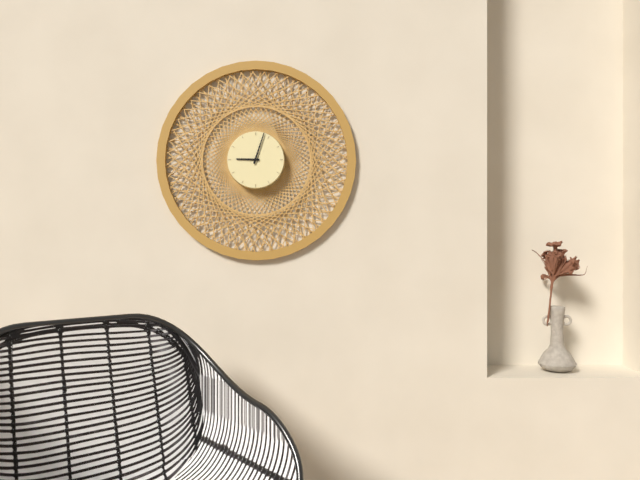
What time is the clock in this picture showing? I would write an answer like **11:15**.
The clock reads **9:03**
